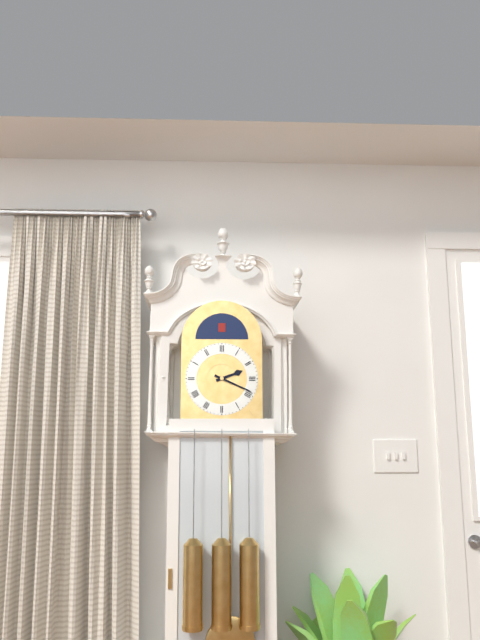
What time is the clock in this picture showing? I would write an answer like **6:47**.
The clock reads **2:19**
